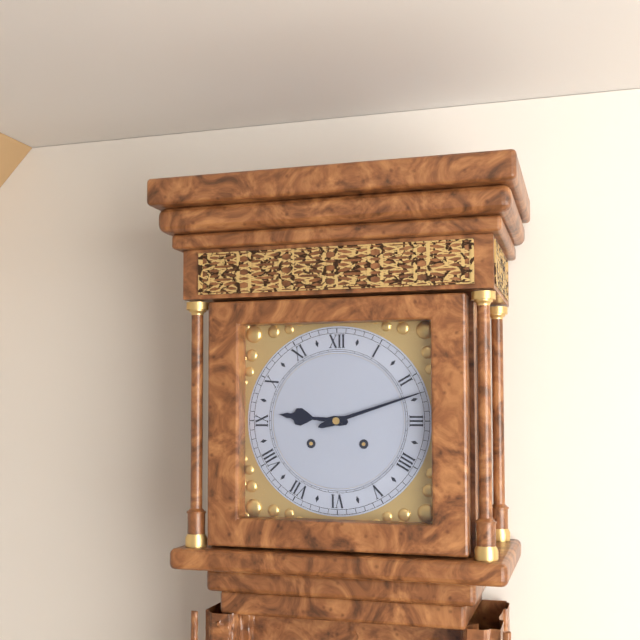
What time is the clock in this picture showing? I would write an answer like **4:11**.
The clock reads **9:12**
